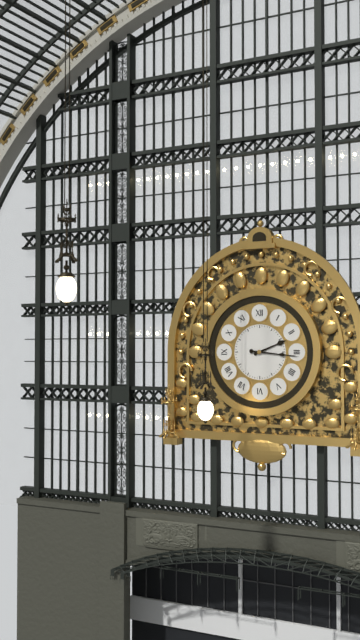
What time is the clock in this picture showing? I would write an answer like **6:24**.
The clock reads **2:16**
